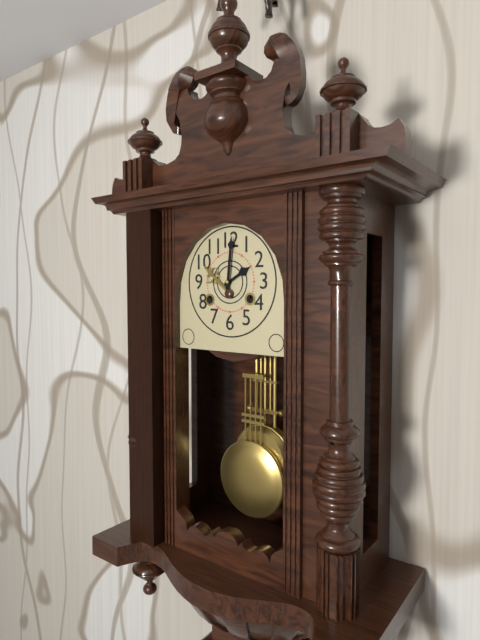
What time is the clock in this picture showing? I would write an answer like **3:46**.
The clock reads **2:01**
